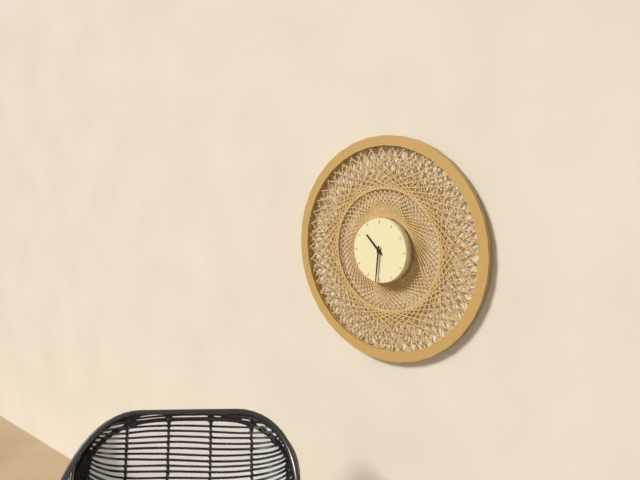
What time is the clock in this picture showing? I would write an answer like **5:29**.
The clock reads **10:31**
